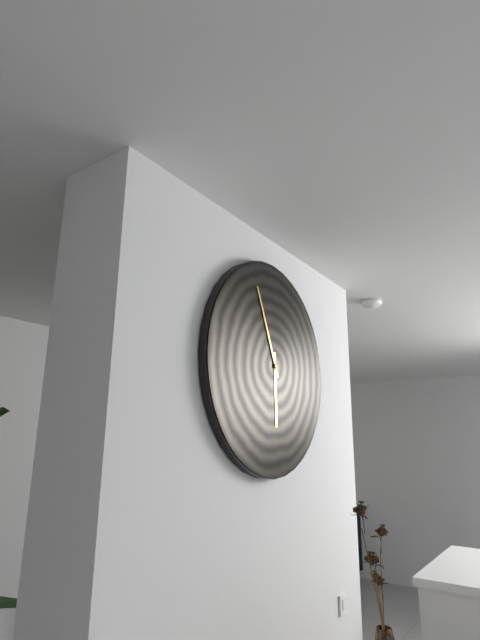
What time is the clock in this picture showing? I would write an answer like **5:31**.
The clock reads **5:56**
